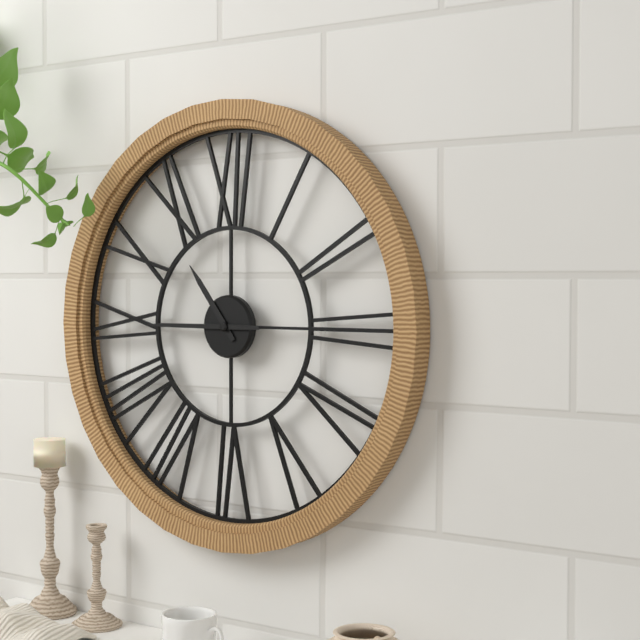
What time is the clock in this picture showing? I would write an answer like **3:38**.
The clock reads **10:45**
